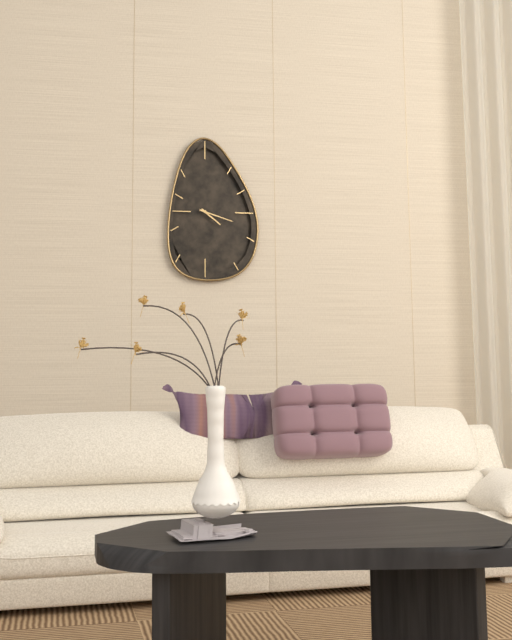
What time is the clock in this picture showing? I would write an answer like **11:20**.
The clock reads **4:18**
